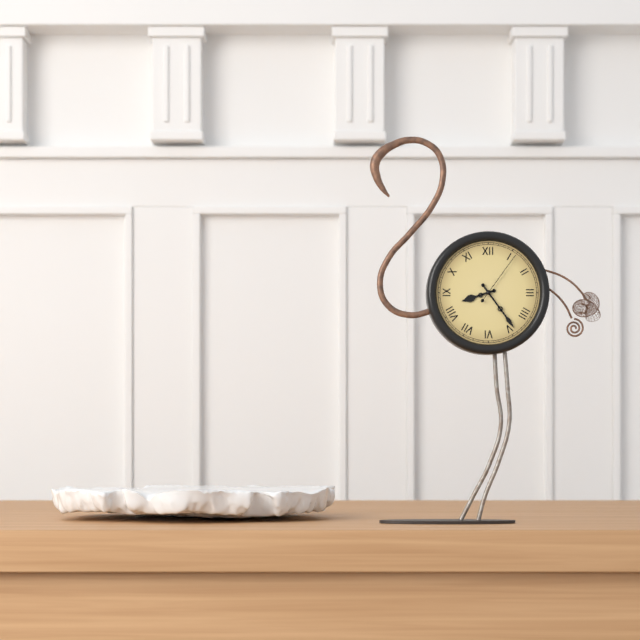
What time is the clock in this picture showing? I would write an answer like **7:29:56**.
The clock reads **8:24:06**
